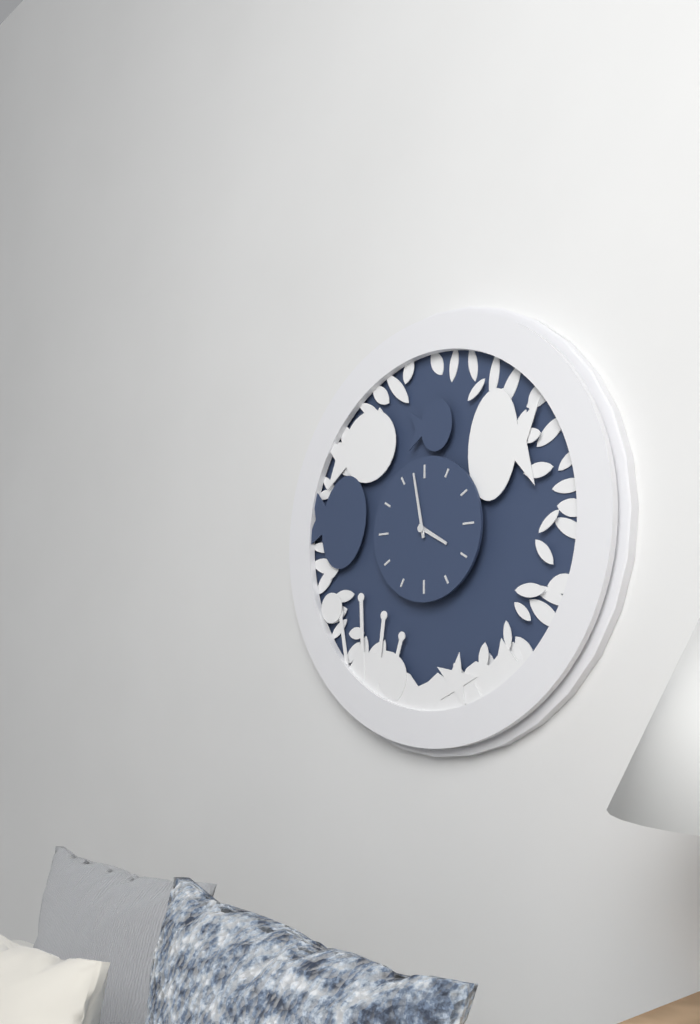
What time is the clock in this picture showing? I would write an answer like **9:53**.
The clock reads **3:58**
